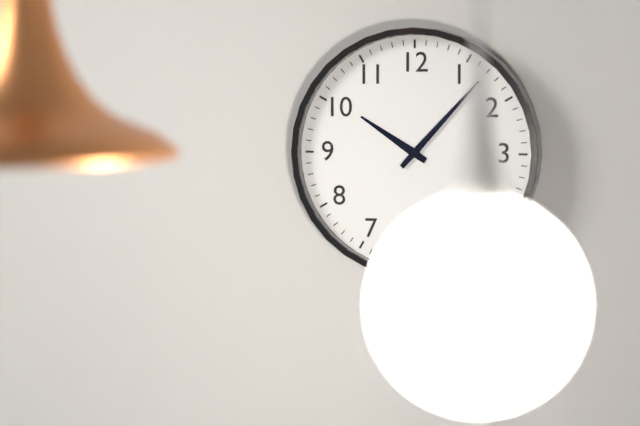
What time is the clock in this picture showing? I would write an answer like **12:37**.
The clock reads **10:07**
